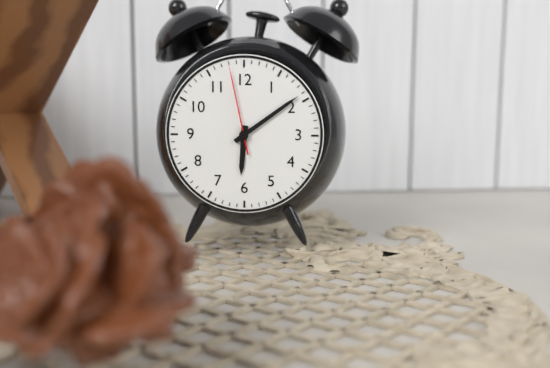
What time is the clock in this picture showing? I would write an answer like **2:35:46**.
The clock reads **6:09:58**
